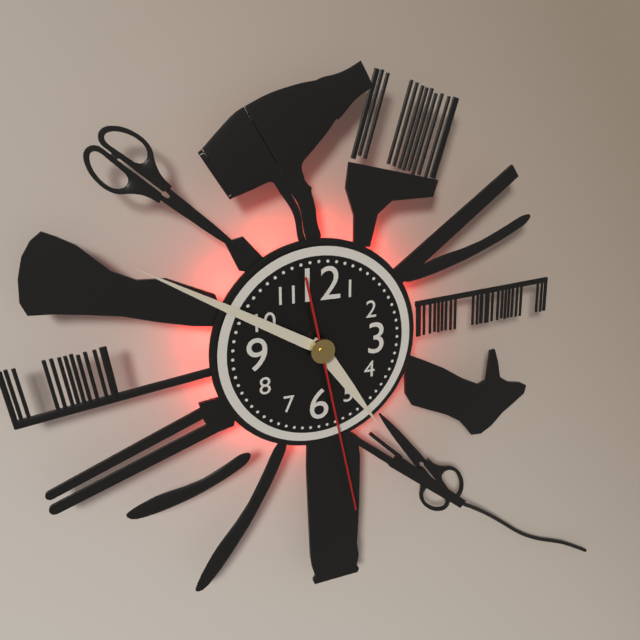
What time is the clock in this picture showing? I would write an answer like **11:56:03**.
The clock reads **4:50:28**
